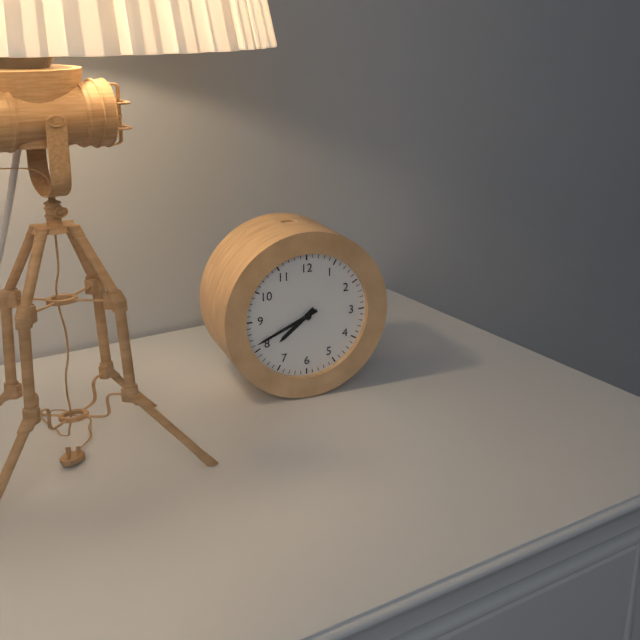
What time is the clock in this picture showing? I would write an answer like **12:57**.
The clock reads **7:41**
